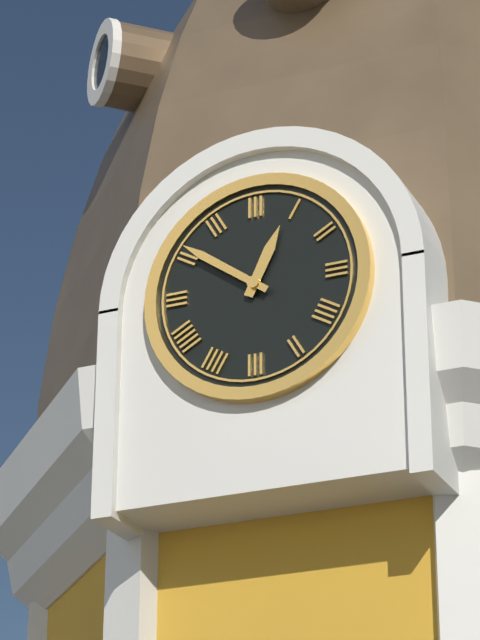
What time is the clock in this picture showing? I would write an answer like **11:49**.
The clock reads **12:51**
